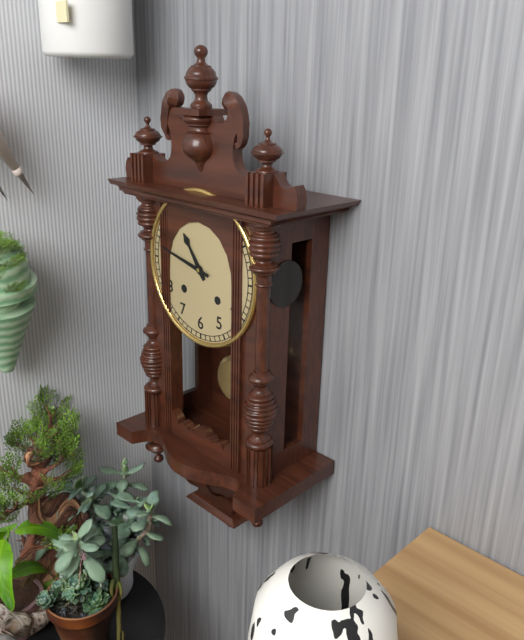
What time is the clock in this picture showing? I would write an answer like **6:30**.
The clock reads **10:47**
